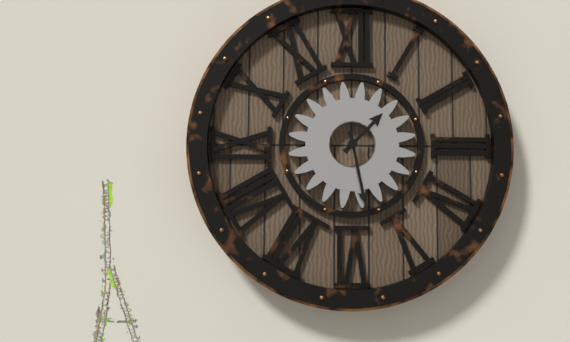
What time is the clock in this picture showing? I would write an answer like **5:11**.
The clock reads **1:28**
